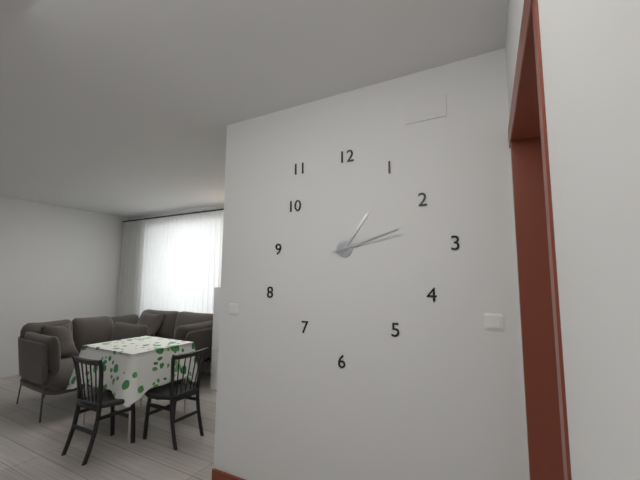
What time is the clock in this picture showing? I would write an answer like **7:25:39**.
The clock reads **1:12:13**
